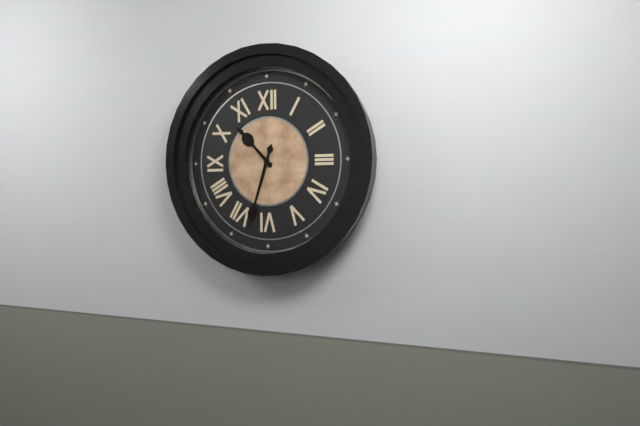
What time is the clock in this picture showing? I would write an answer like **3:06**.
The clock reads **10:33**
